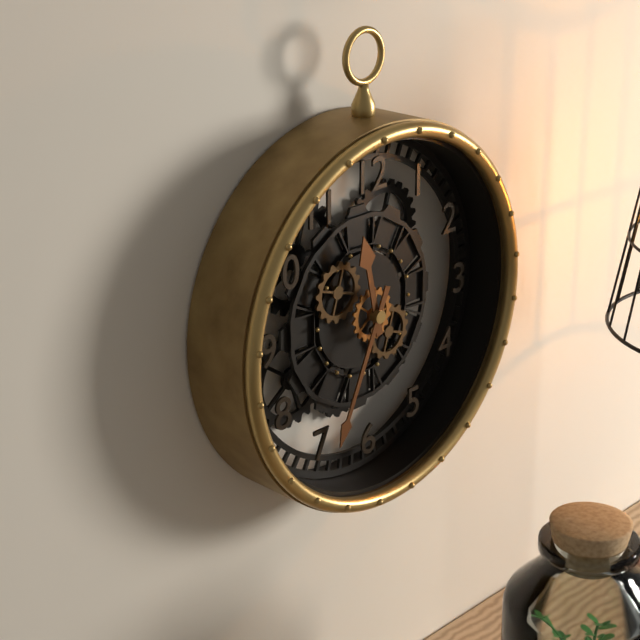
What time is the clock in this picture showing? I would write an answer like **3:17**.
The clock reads **11:34**
